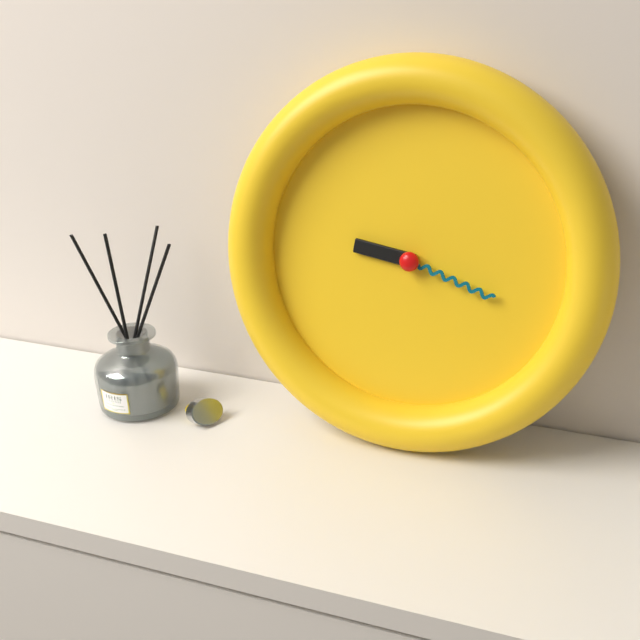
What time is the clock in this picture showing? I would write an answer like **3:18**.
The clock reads **9:18**
